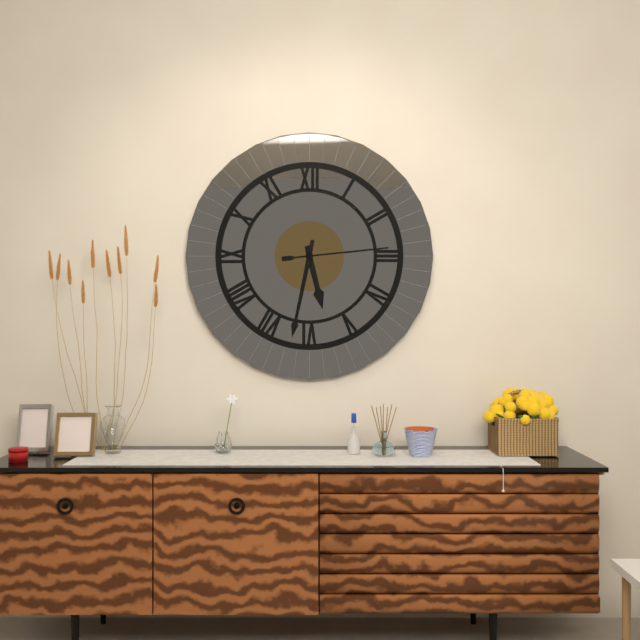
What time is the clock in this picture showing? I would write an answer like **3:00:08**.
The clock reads **5:32:14**
